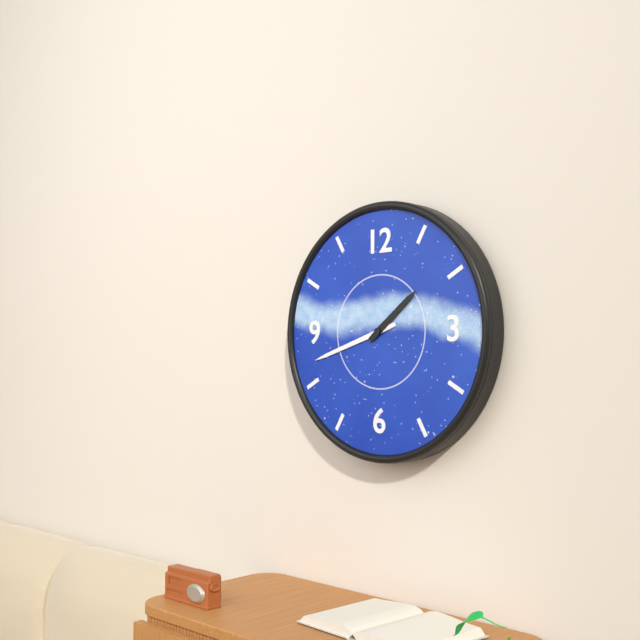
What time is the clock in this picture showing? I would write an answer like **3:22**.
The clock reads **1:42**
